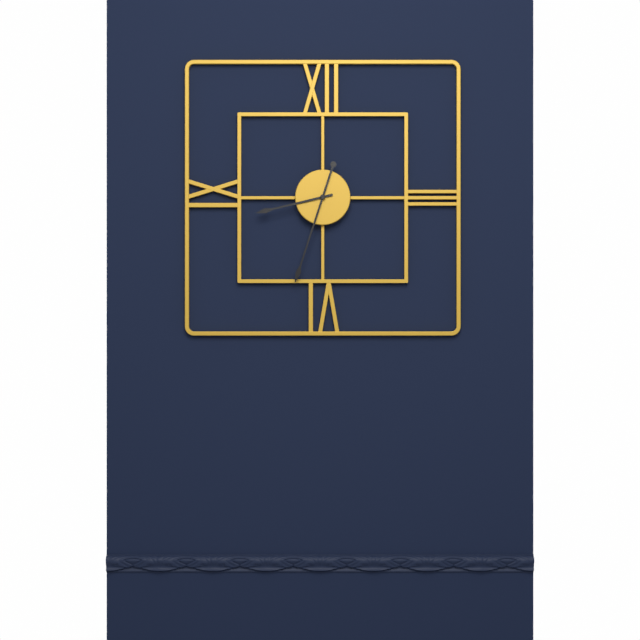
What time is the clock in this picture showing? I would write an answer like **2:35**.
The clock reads **8:33**
